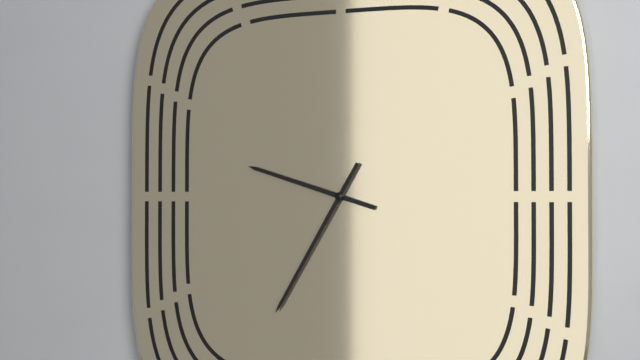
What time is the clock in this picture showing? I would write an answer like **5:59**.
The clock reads **9:35**
